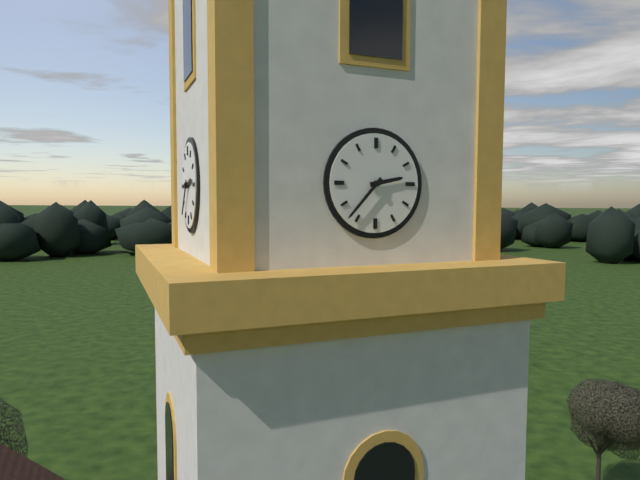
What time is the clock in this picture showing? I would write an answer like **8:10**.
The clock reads **2:37**
